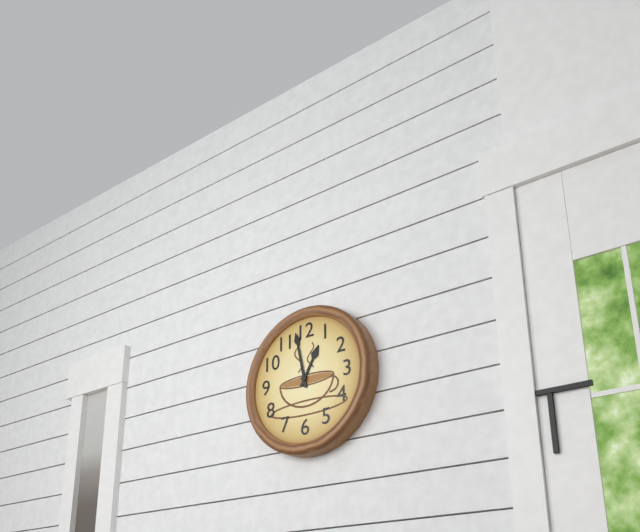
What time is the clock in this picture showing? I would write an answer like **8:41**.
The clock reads **12:58**
